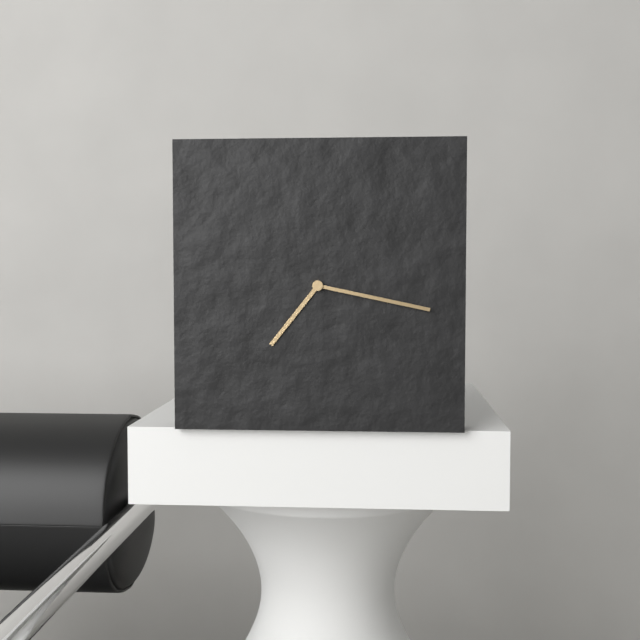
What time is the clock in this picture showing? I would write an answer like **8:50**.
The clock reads **7:17**
